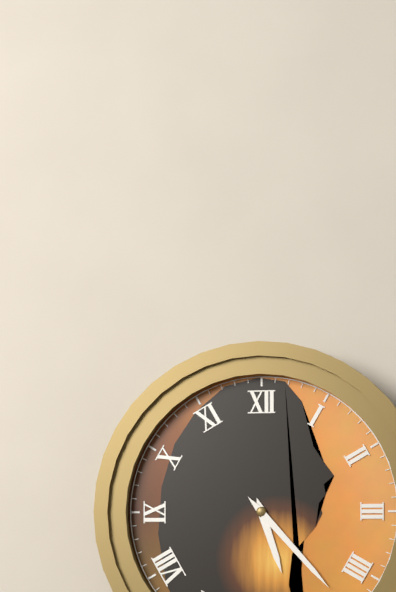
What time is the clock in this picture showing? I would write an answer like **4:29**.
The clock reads **5:23**
